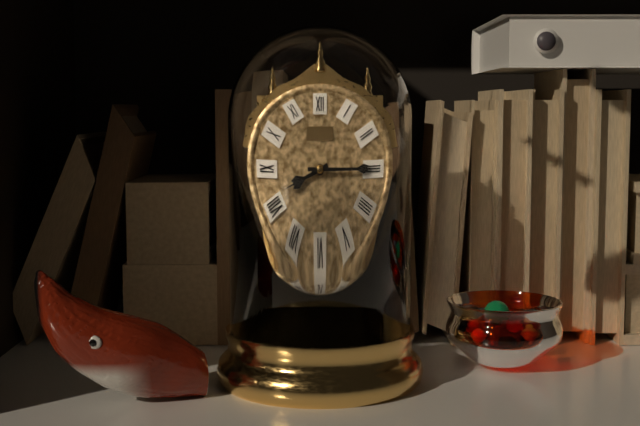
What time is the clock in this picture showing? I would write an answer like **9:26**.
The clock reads **8:15**
